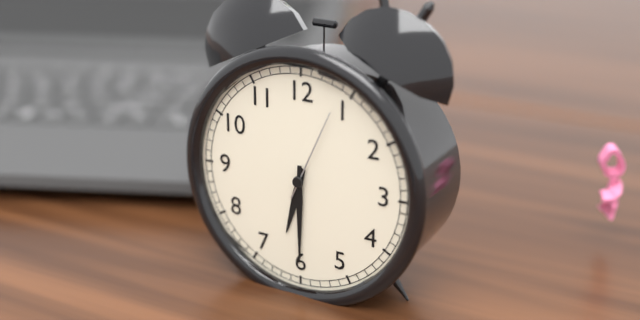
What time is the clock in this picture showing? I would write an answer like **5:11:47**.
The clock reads **6:30:04**
